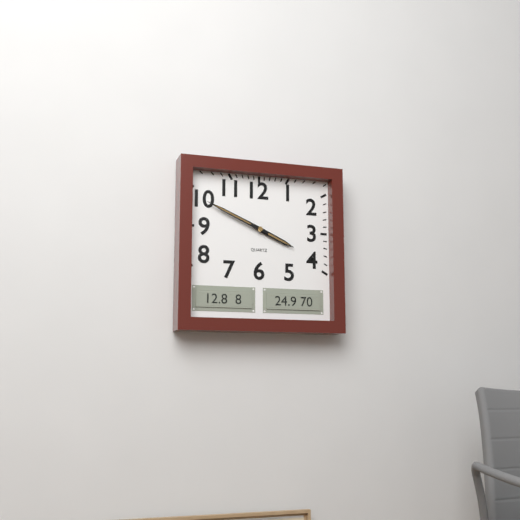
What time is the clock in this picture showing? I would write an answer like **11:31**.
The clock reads **3:49**
